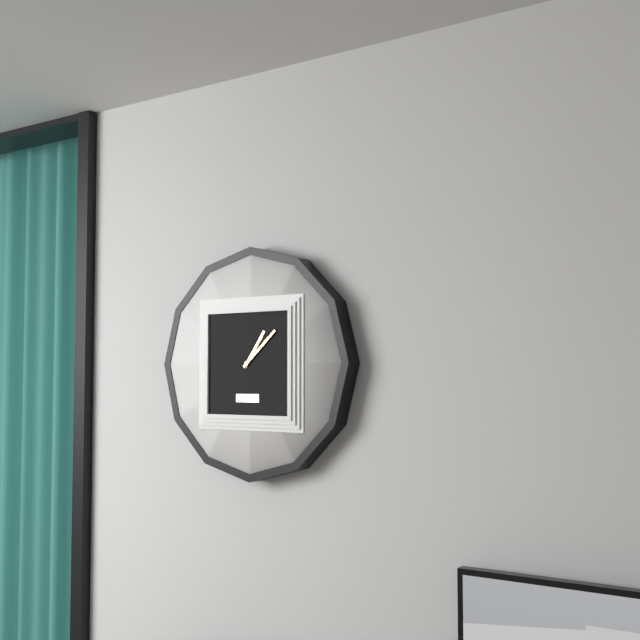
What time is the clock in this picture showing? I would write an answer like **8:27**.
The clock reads **1:08**
